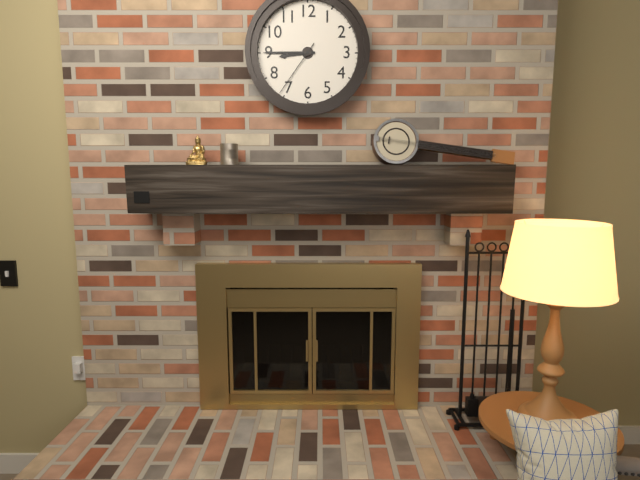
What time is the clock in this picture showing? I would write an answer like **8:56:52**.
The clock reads **8:45:36**
